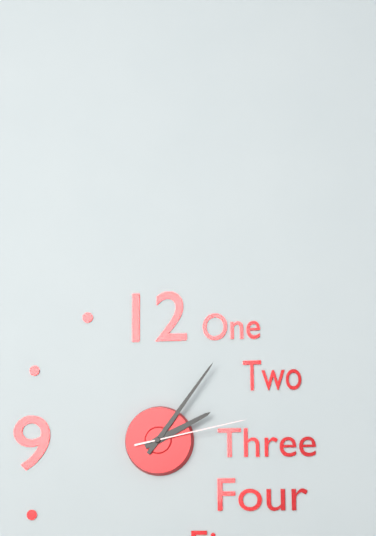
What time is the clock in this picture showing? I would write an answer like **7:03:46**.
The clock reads **2:06:13**
